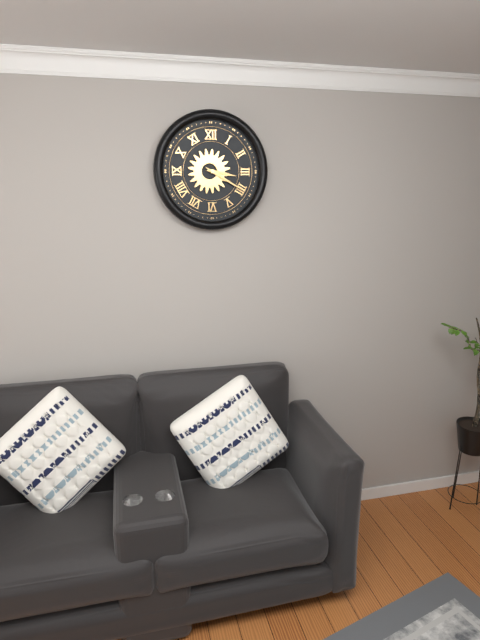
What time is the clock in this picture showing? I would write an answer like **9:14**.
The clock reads **3:20**
